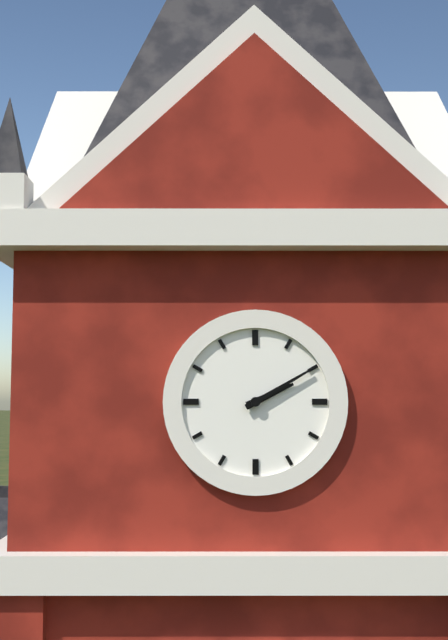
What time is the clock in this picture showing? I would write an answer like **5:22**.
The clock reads **2:10**
